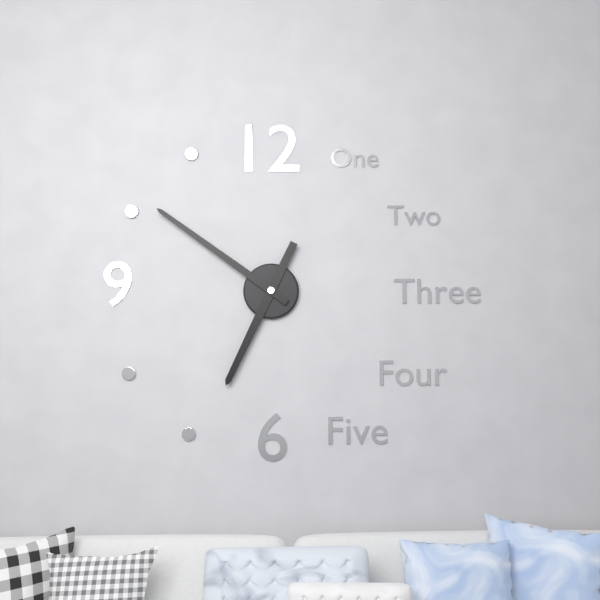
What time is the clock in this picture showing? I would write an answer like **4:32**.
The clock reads **6:51**
